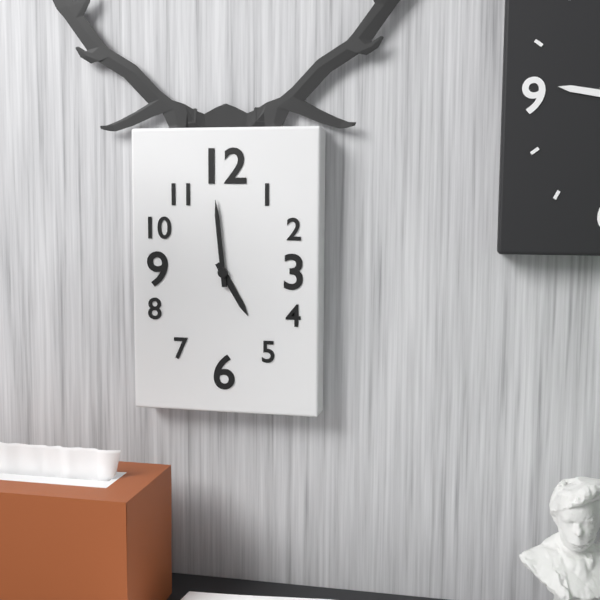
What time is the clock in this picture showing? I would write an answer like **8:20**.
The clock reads **4:59**
